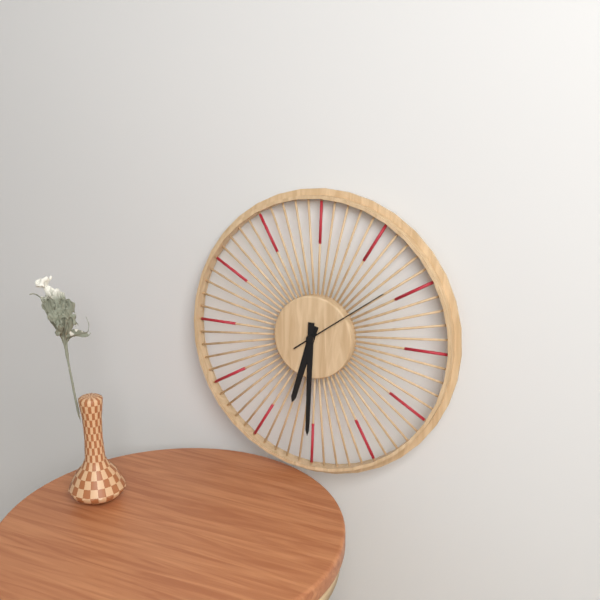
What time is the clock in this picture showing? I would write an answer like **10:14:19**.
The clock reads **6:30:09**
